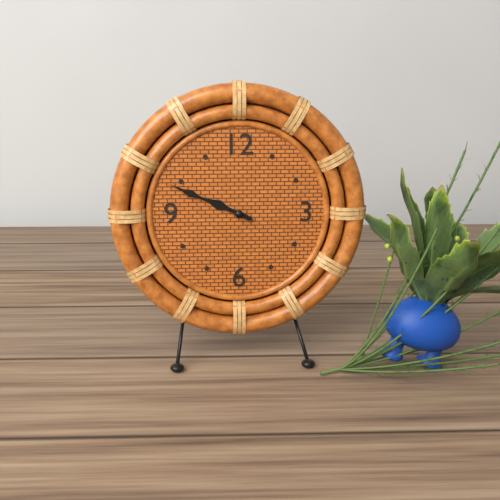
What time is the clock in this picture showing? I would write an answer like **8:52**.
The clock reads **9:49**
